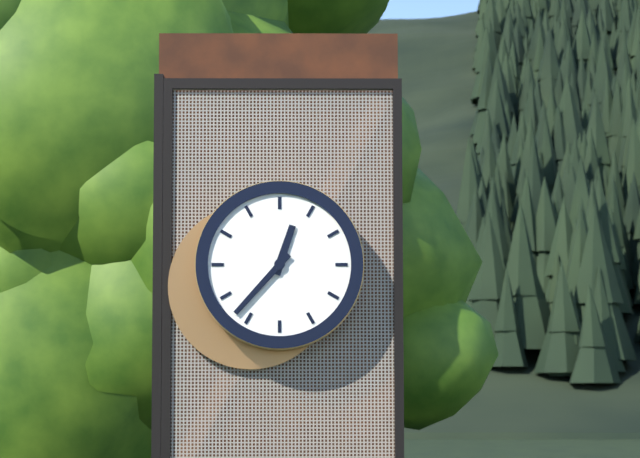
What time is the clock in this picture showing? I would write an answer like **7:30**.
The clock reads **12:37**
